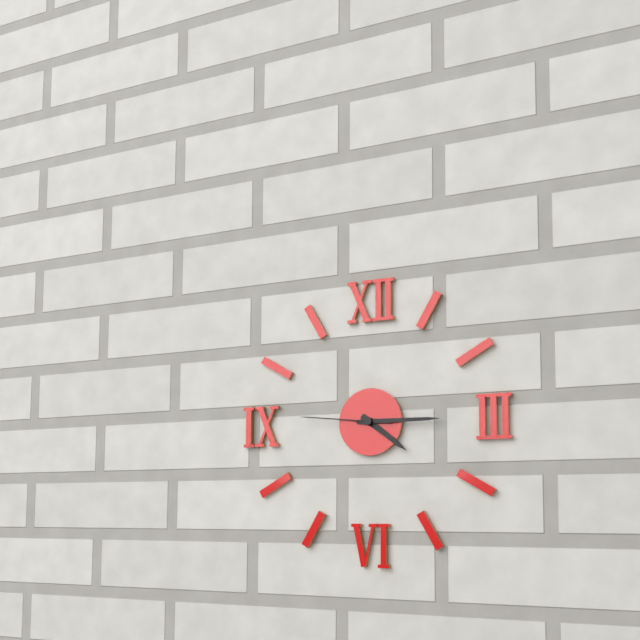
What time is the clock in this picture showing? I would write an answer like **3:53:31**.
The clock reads **4:15:46**
